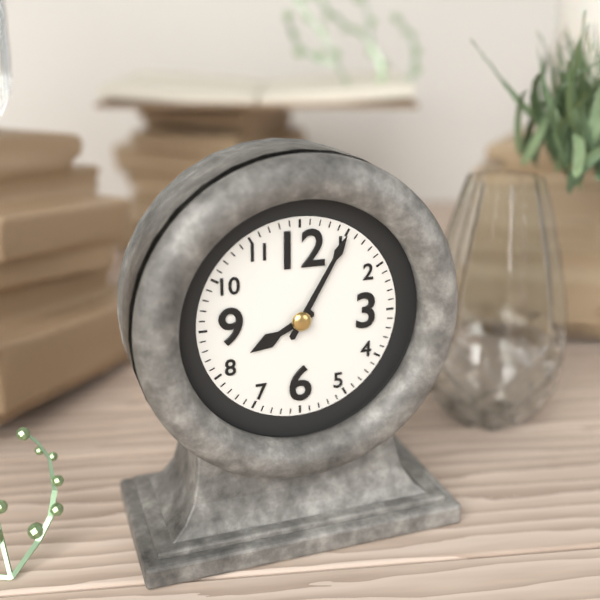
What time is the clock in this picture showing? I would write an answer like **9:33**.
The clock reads **8:05**
